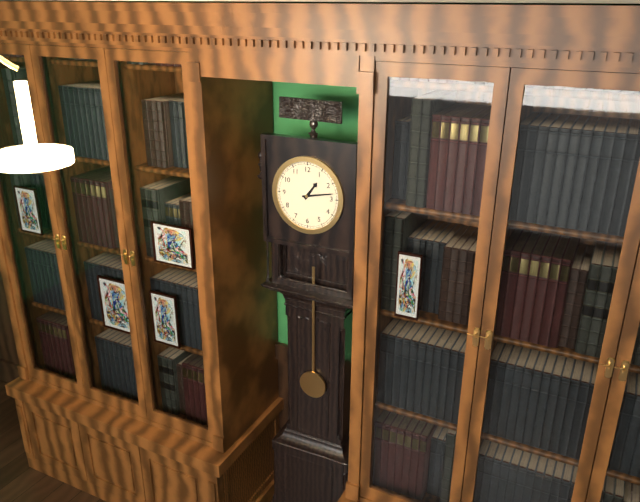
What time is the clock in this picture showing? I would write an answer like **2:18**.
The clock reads **1:13**
